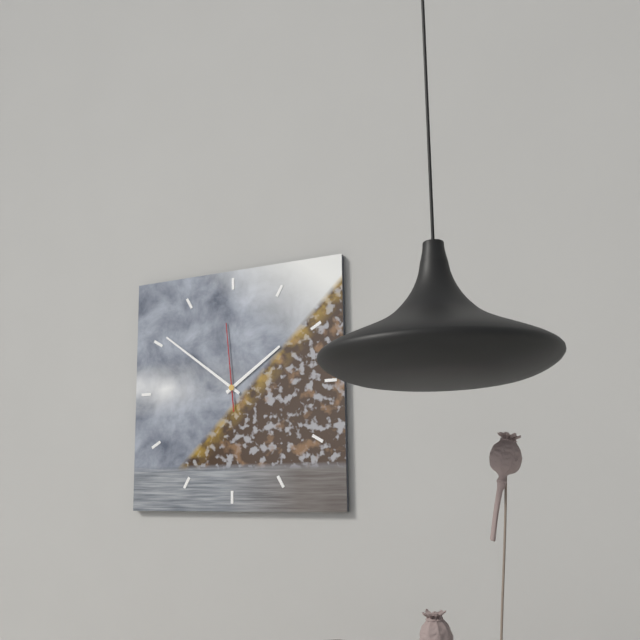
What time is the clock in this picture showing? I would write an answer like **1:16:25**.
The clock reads **1:51:59**
